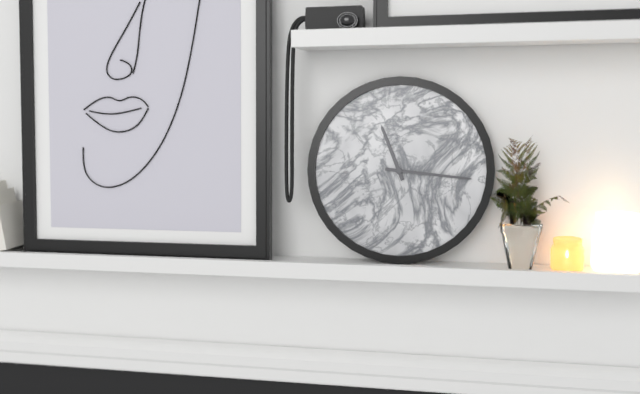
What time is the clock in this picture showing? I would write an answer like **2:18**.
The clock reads **11:16**
